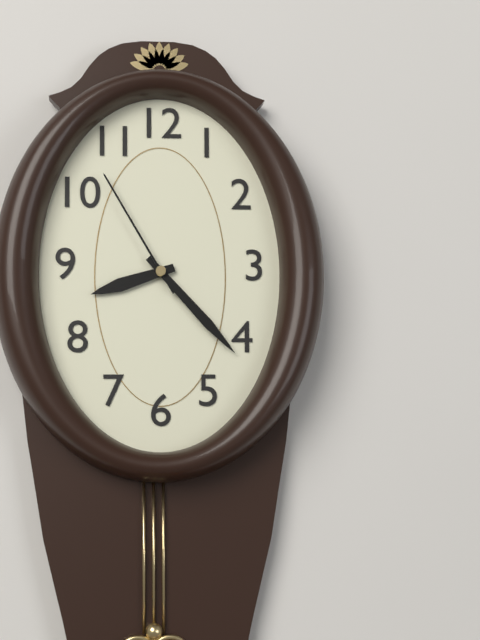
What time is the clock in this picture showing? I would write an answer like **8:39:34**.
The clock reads **8:23:55**
